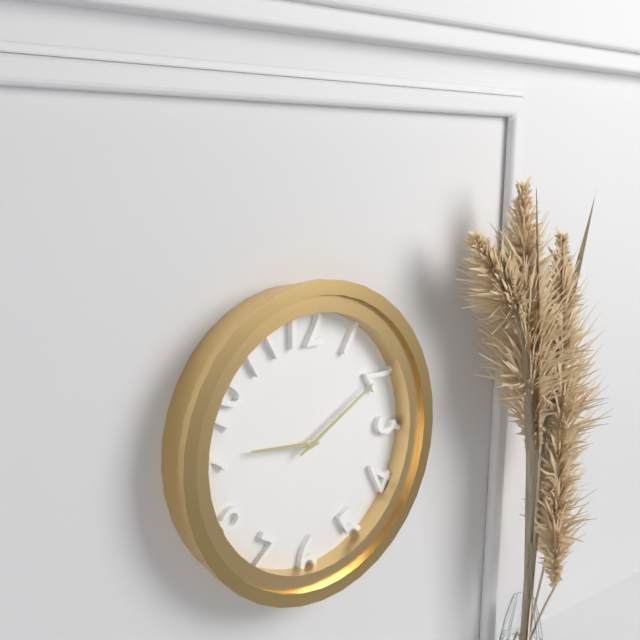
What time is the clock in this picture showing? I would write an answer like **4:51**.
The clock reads **9:10**
